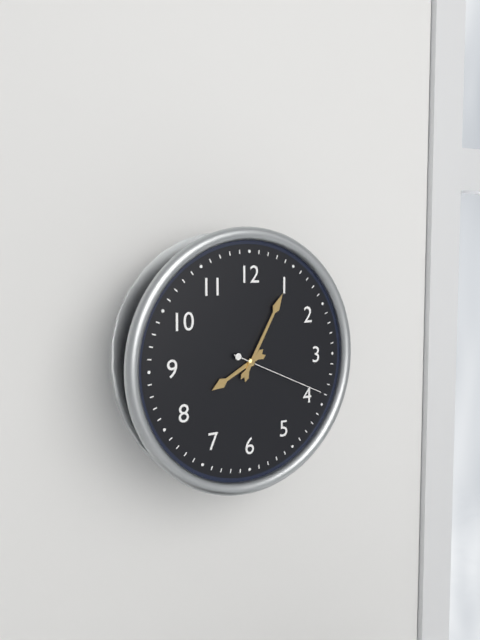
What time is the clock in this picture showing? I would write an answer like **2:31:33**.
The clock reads **8:05:19**
